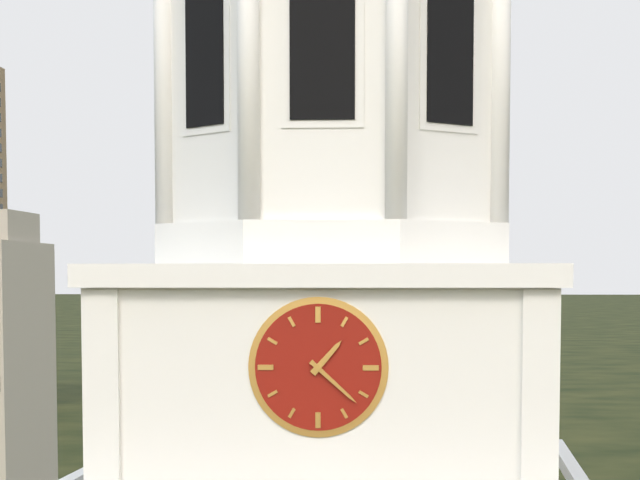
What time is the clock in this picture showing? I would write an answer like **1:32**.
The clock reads **1:22**
